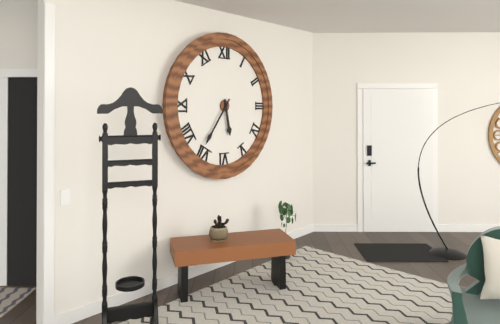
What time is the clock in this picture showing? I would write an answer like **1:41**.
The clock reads **5:36**
